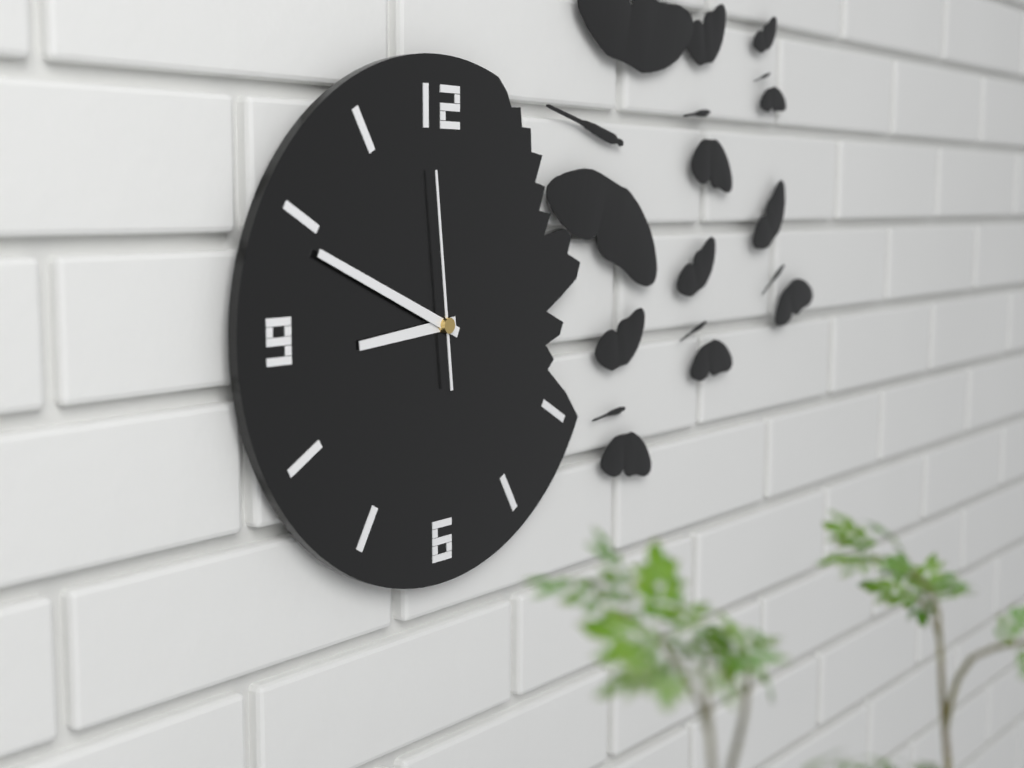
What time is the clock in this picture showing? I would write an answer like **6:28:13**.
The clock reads **8:49:59**
